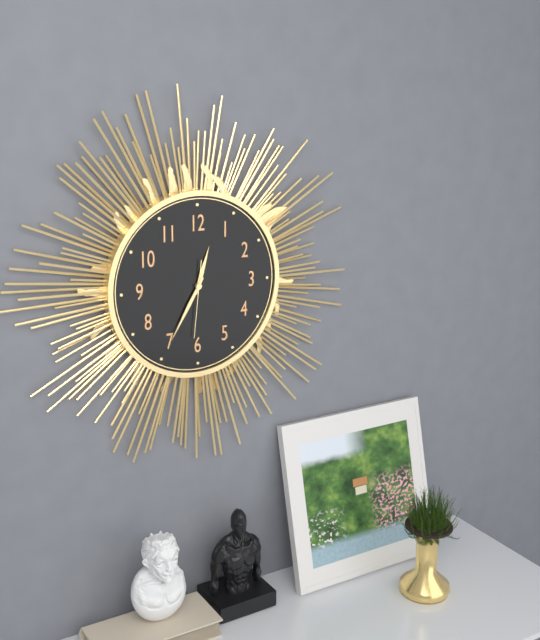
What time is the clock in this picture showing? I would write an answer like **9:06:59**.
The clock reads **12:35:31**
